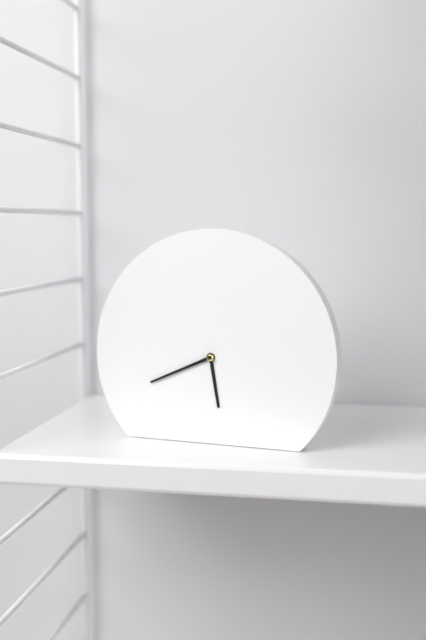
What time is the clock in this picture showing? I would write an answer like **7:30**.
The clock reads **5:41**
